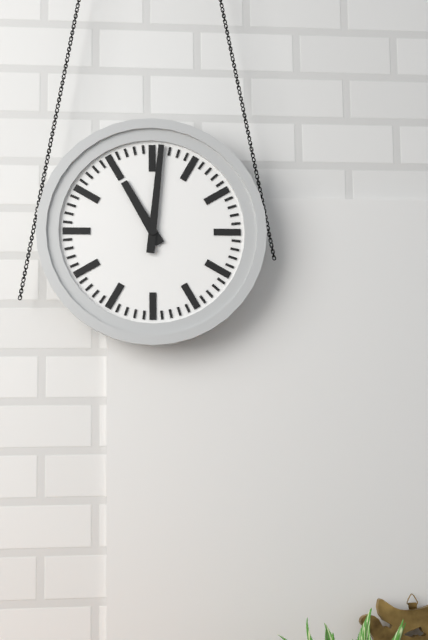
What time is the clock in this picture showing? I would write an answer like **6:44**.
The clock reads **11:01**
